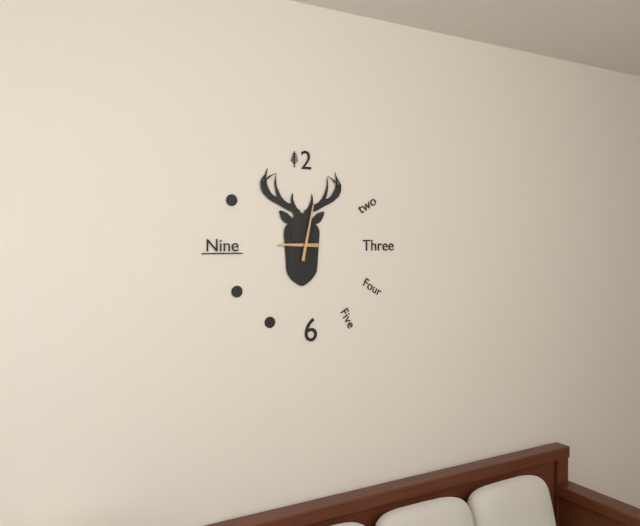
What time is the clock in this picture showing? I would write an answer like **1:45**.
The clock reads **9:02**
